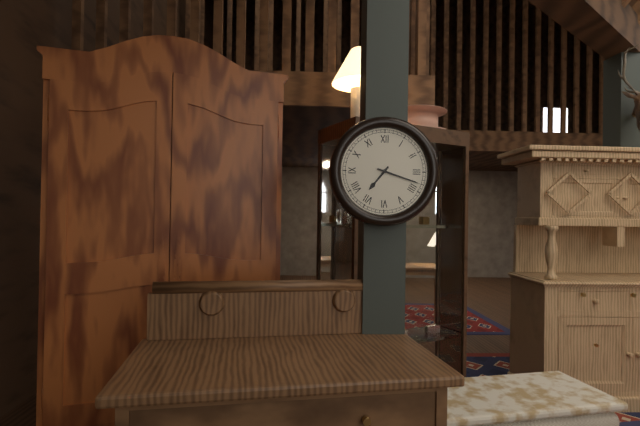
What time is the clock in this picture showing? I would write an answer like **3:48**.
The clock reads **7:18**
